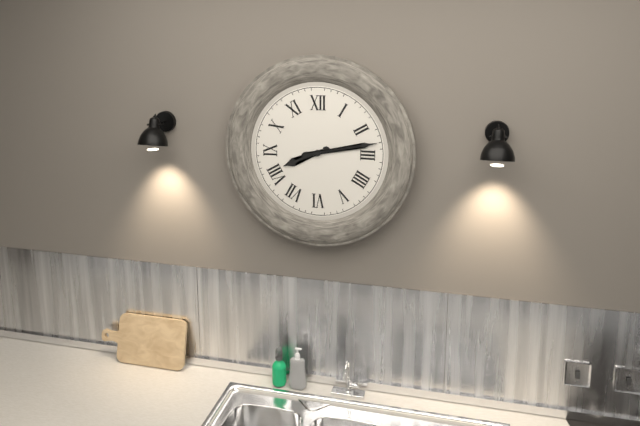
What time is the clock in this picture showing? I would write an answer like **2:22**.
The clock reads **8:13**
